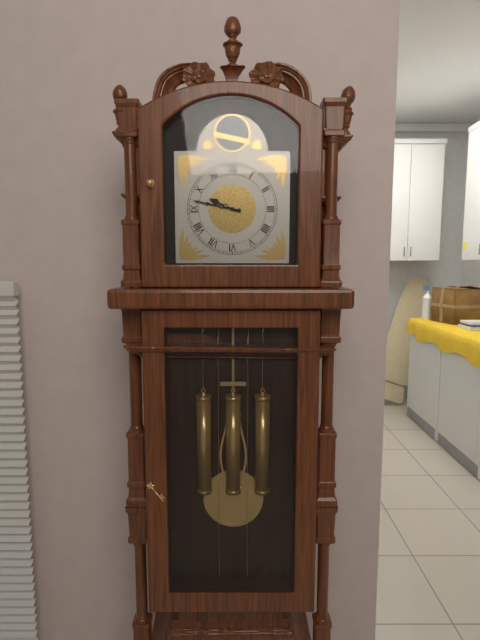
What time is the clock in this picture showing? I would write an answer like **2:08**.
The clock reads **9:47**
